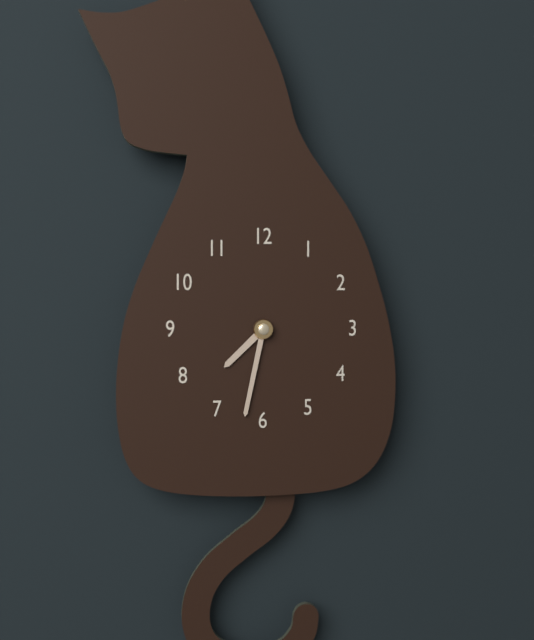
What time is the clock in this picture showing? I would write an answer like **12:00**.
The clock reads **7:32**
